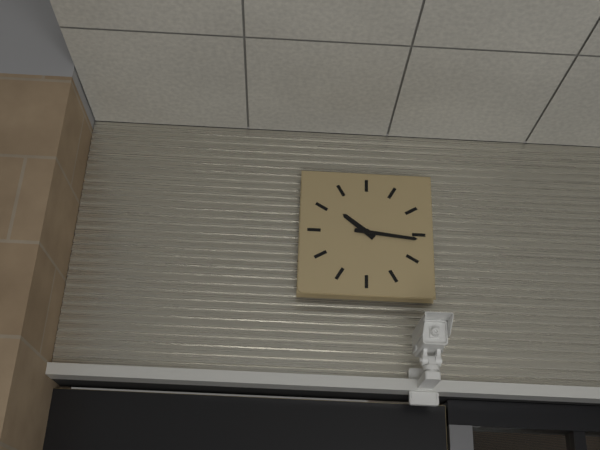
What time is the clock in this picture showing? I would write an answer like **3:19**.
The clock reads **10:16**
